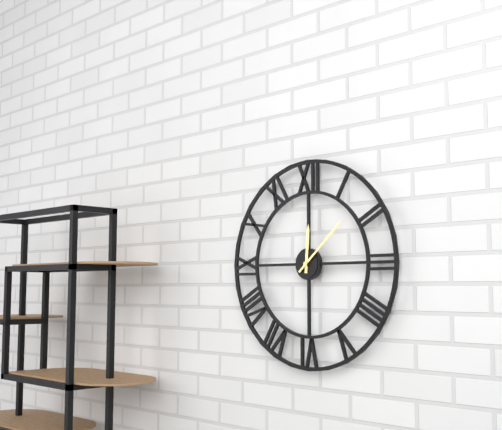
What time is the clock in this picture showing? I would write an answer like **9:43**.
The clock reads **12:08**
